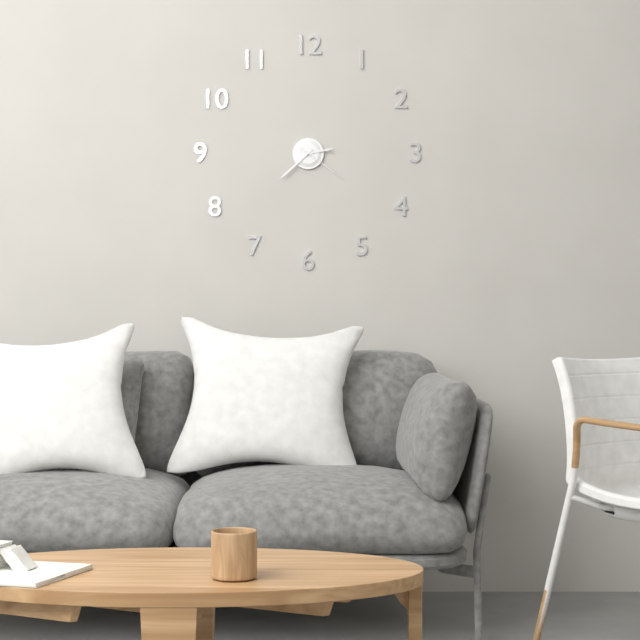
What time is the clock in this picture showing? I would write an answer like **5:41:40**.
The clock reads **2:38:21**
